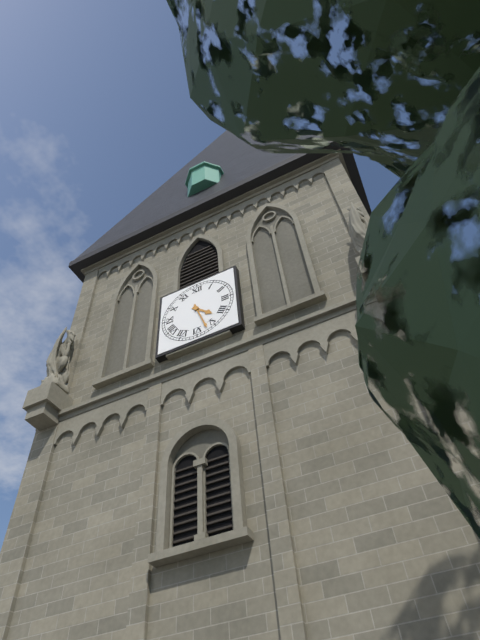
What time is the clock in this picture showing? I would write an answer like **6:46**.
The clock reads **4:27**
